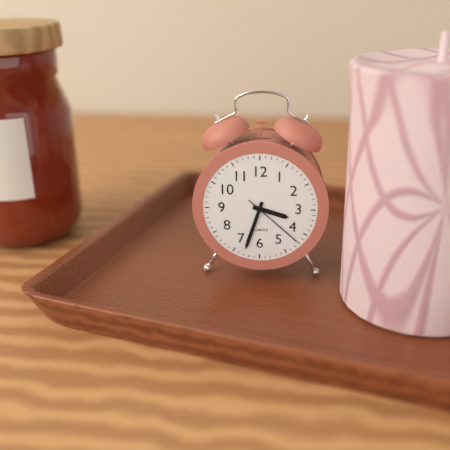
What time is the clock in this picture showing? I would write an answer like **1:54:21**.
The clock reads **3:33:22**
